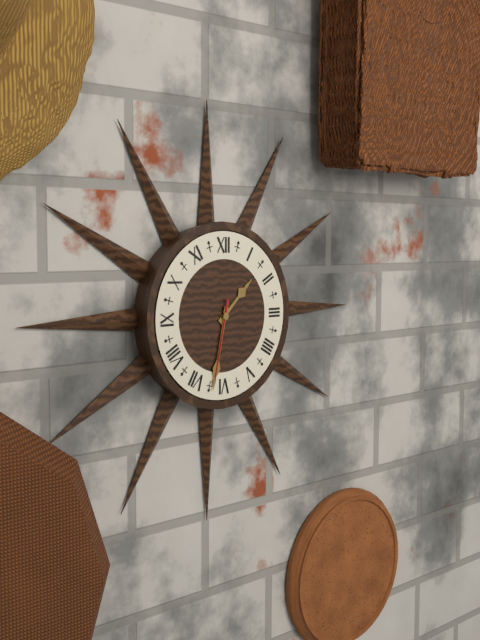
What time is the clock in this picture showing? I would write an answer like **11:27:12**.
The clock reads **1:32:32**
